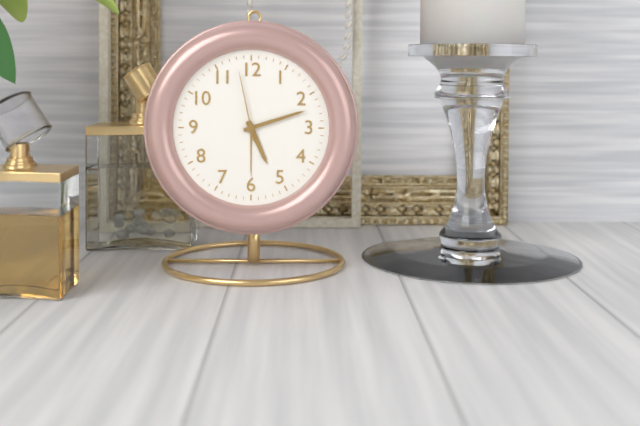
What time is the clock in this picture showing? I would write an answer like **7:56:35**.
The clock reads **5:12:58**
